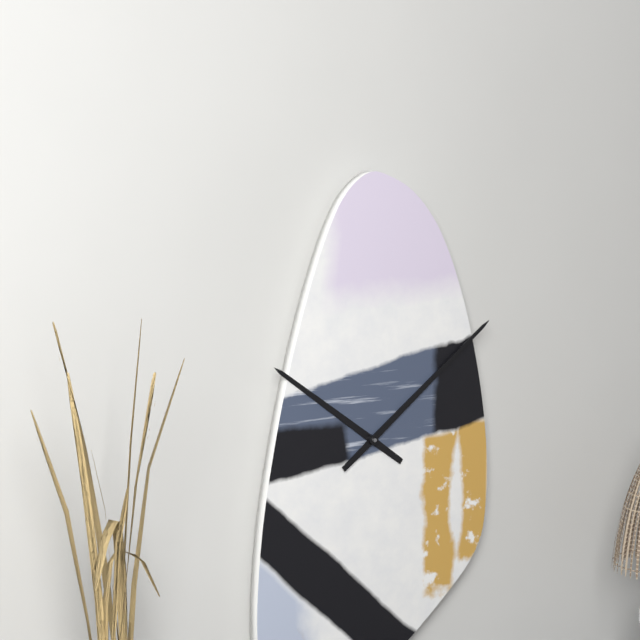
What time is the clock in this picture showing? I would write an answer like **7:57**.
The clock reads **10:09**
